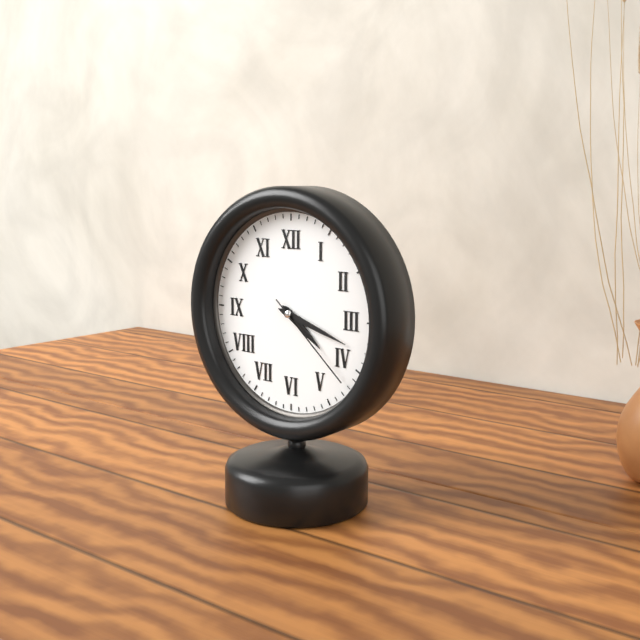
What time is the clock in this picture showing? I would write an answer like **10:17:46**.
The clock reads **4:18:22**
